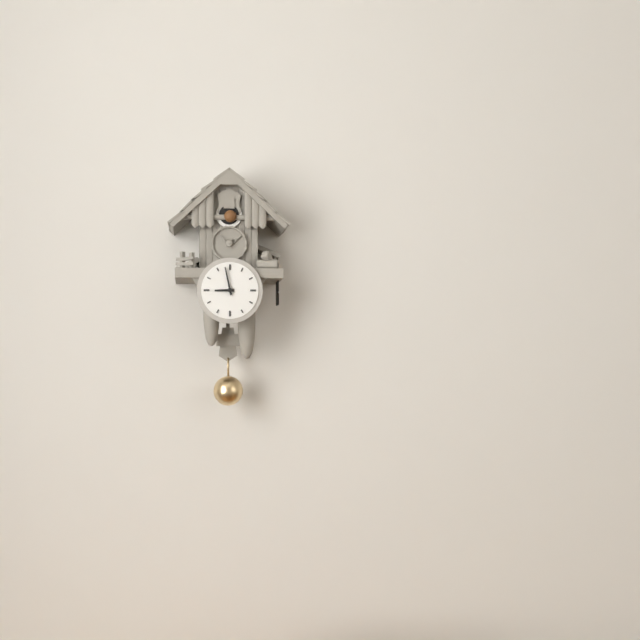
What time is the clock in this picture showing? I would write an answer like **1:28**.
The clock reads **8:58**
